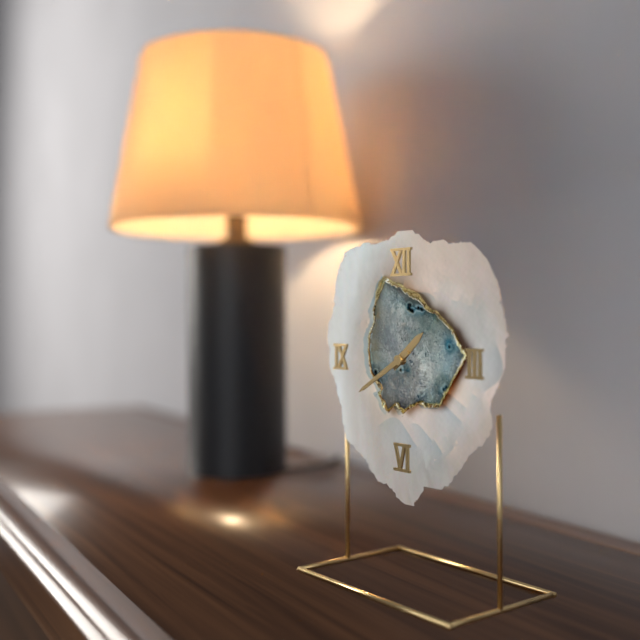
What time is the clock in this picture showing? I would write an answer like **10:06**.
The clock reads **1:40**
